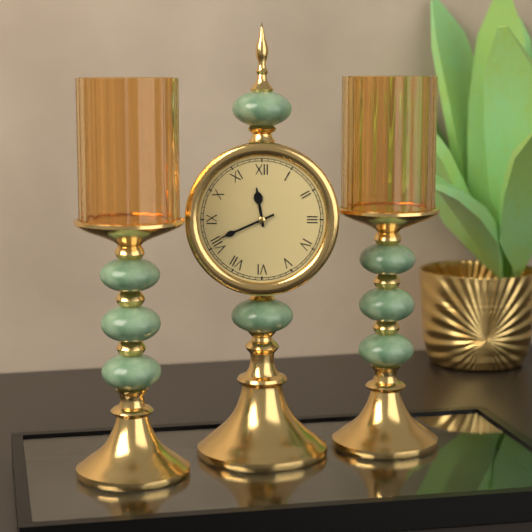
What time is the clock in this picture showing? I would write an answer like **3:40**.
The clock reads **11:41**
